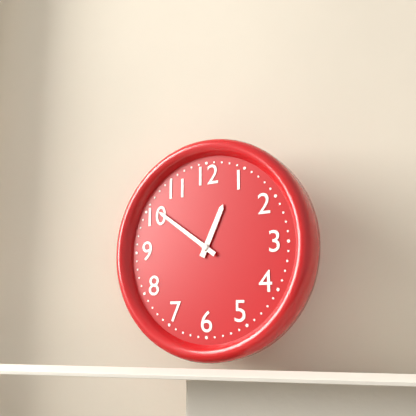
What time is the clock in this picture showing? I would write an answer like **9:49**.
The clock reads **12:51**
